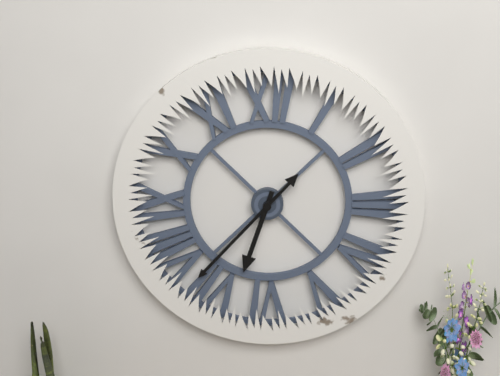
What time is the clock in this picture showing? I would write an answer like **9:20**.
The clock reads **6:37**
